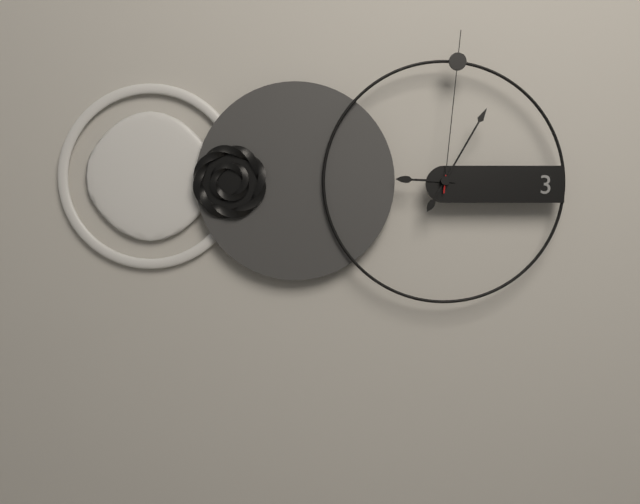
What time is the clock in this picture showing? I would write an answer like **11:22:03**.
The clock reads **9:05:01**
